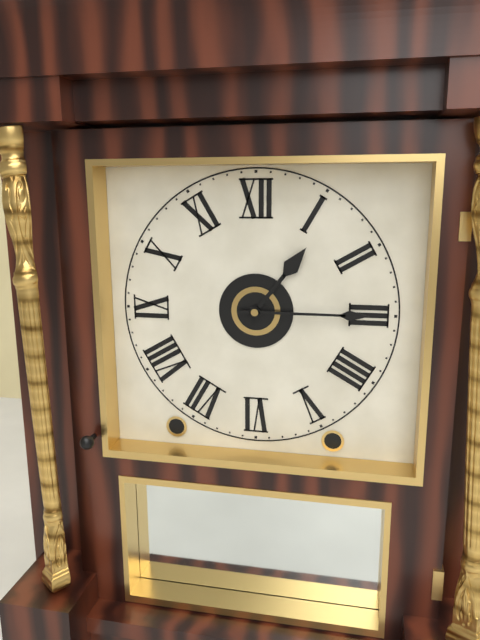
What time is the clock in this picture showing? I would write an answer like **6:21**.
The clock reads **1:15**
